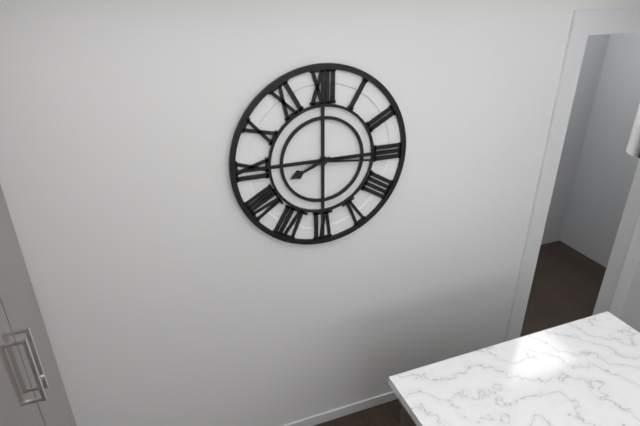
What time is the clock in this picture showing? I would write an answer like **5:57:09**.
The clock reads **8:16:15**
